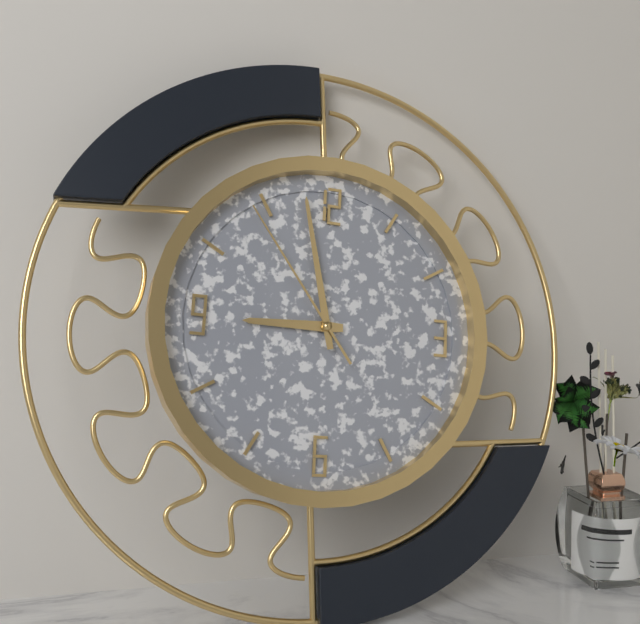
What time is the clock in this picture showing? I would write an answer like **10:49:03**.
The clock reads **8:58:54**
